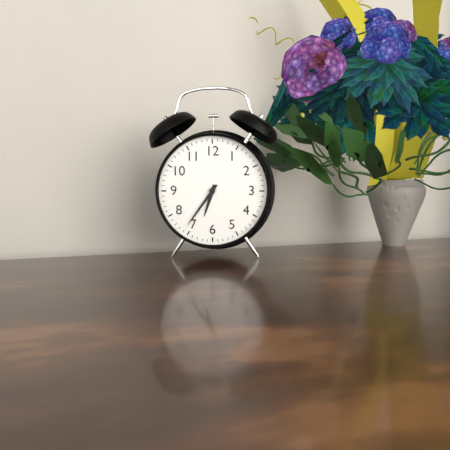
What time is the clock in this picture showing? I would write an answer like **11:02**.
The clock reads **6:36**
